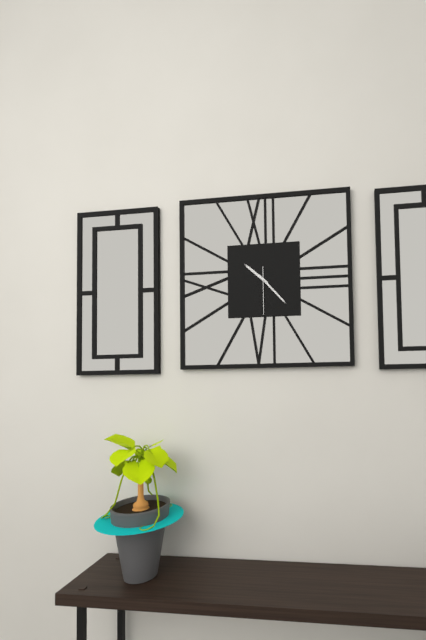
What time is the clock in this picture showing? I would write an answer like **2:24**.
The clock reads **10:23**
